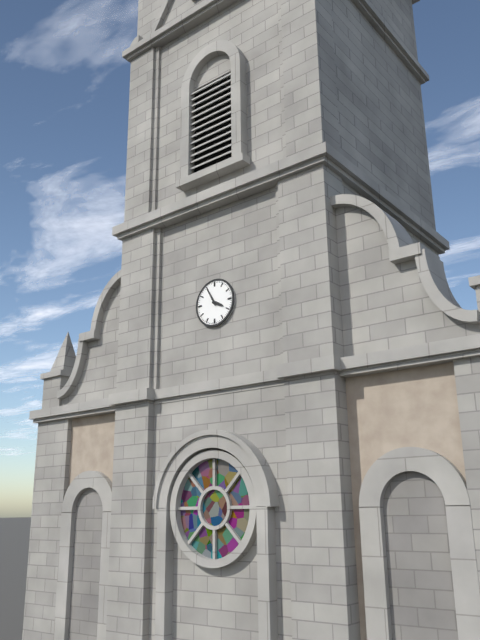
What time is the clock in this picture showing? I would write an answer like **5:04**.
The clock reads **3:55**
